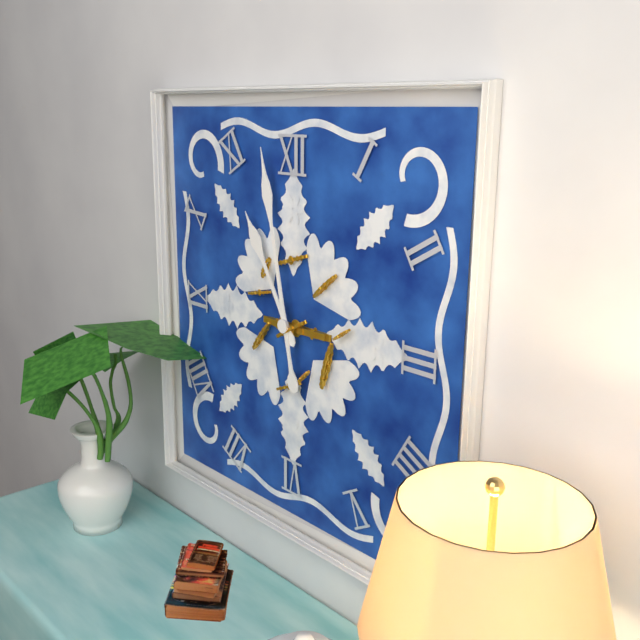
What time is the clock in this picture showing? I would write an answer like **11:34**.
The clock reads **10:58**
